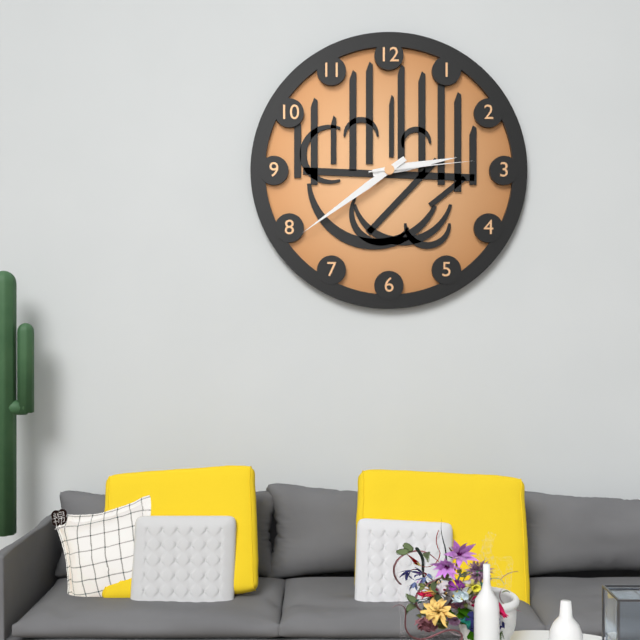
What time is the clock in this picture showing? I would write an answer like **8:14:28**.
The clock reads **2:39:14**
